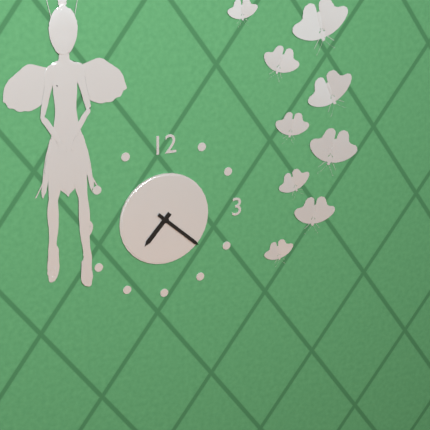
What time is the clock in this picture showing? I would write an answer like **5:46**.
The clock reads **7:22**
